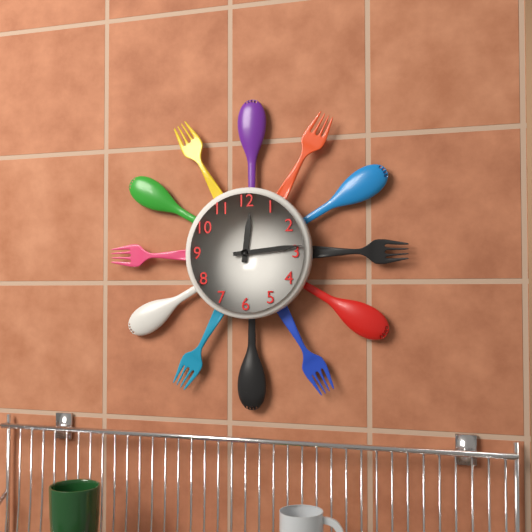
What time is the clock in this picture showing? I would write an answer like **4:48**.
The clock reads **12:14**
